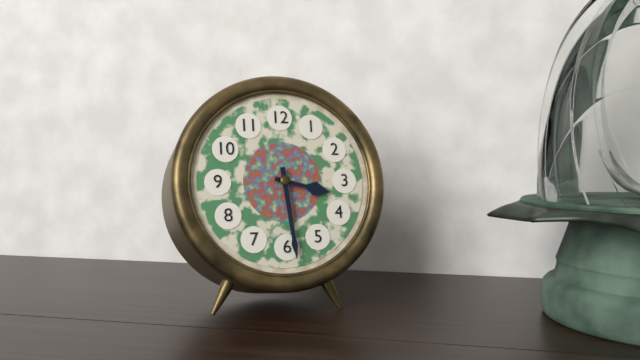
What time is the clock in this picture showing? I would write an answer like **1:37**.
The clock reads **3:29**
